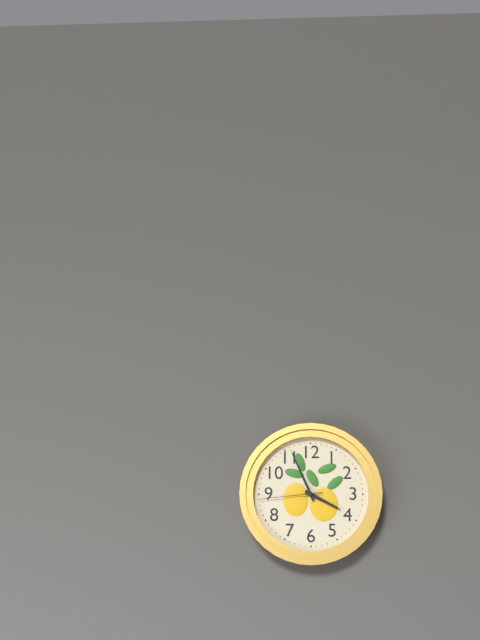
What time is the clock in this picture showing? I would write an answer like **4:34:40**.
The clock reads **3:56:44**
